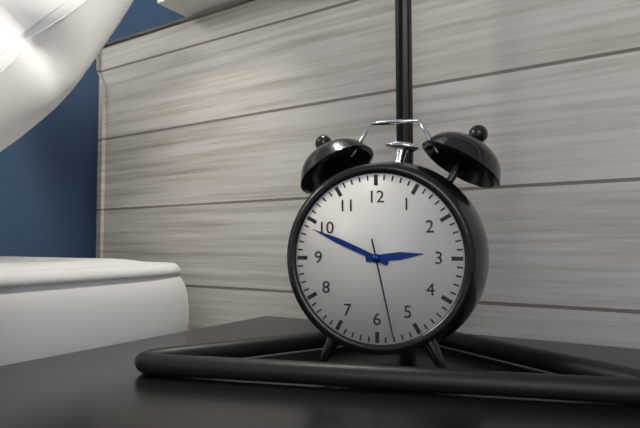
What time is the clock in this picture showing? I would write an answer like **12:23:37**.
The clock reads **2:49:28**
